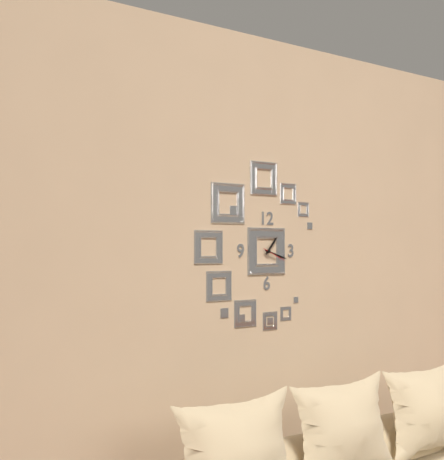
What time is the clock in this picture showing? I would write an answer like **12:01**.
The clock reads **1:18**
